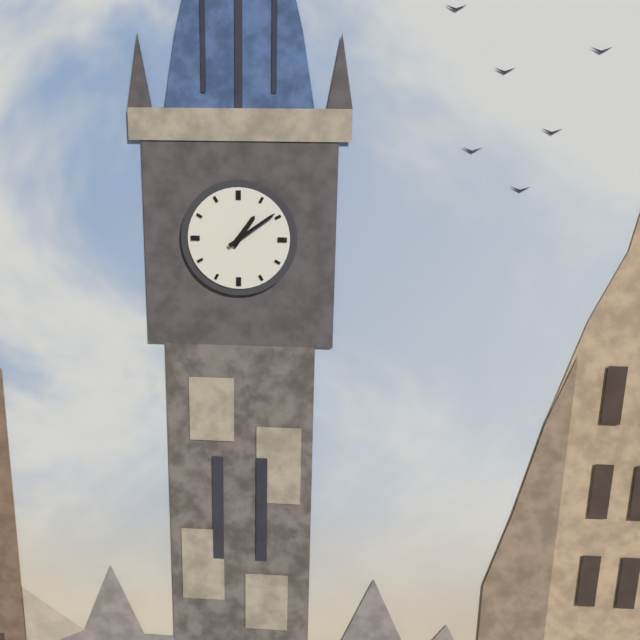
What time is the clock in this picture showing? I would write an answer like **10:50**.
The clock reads **1:09**
